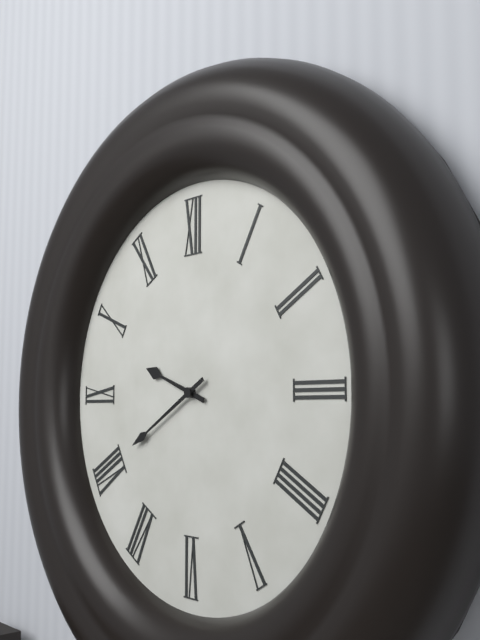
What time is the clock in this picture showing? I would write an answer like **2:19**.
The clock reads **9:40**
